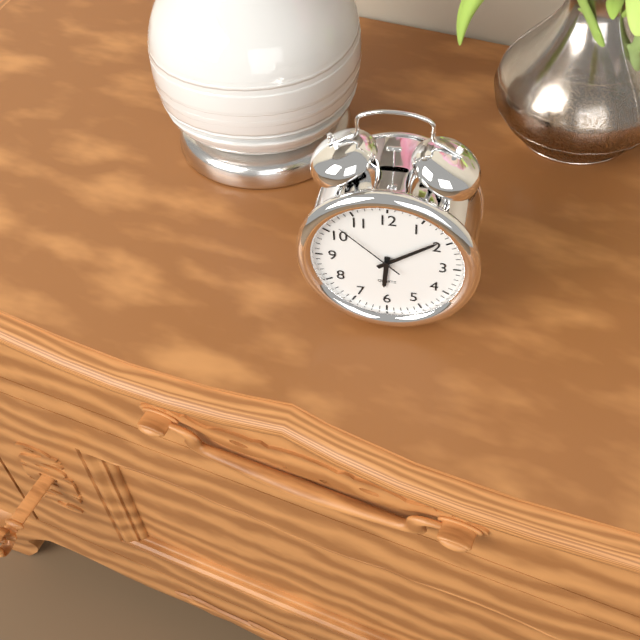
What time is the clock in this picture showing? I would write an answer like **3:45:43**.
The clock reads **6:09:52**
